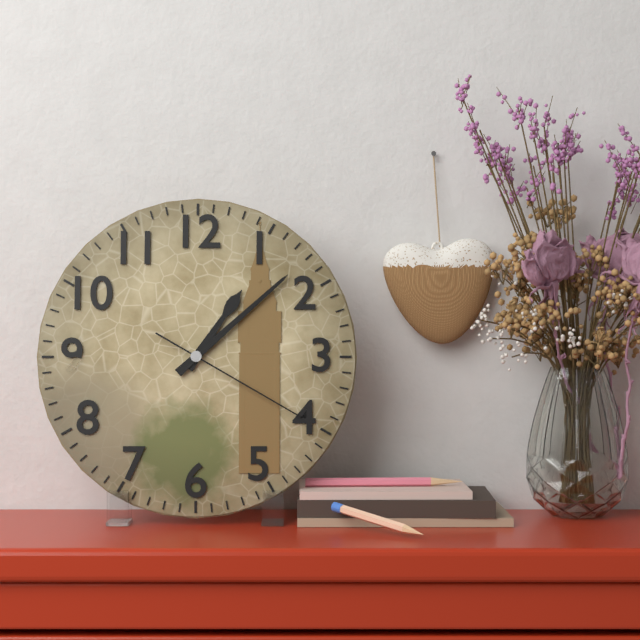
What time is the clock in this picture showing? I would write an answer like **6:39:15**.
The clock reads **1:08:20**
